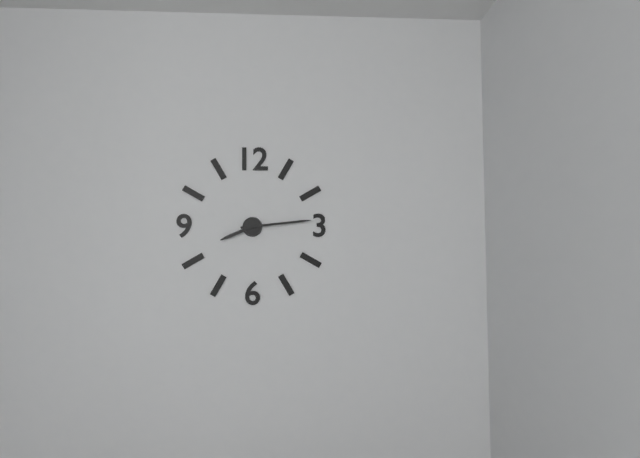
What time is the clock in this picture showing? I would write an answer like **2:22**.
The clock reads **8:14**
